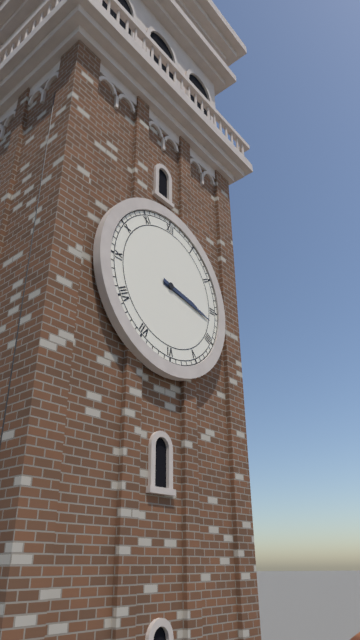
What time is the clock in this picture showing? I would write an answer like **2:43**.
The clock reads **3:17**
